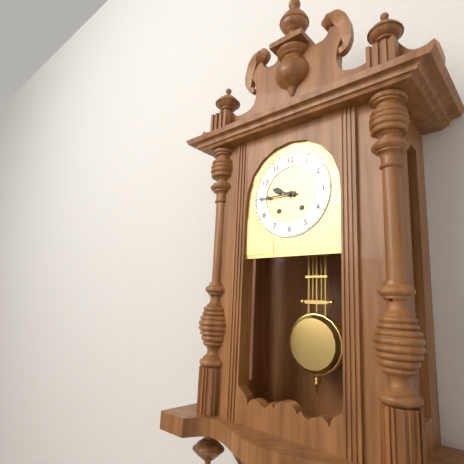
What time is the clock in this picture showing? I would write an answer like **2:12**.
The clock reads **9:45**
